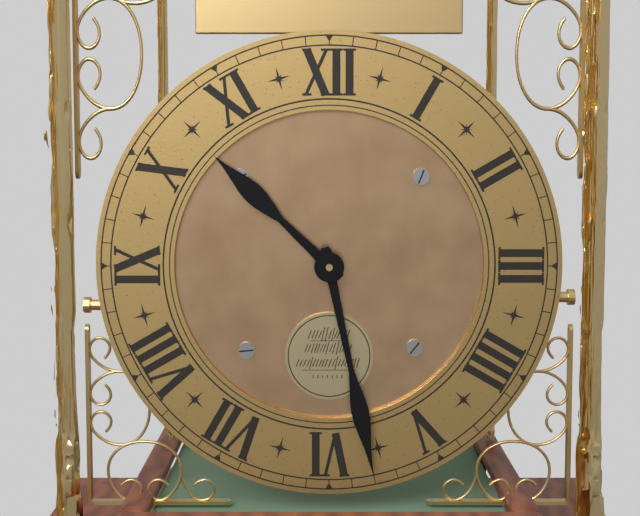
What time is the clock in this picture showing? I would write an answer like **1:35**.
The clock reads **10:28**
